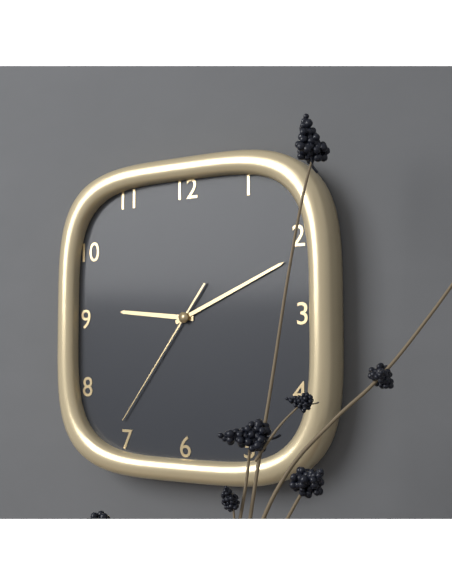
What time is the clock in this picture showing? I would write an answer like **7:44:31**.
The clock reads **9:11:36**
